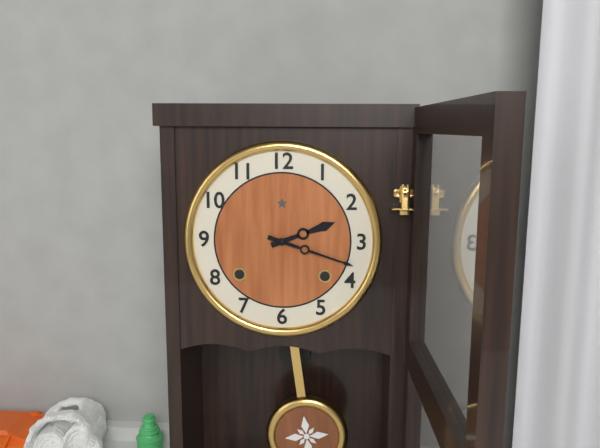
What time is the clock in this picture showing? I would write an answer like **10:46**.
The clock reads **2:18**
